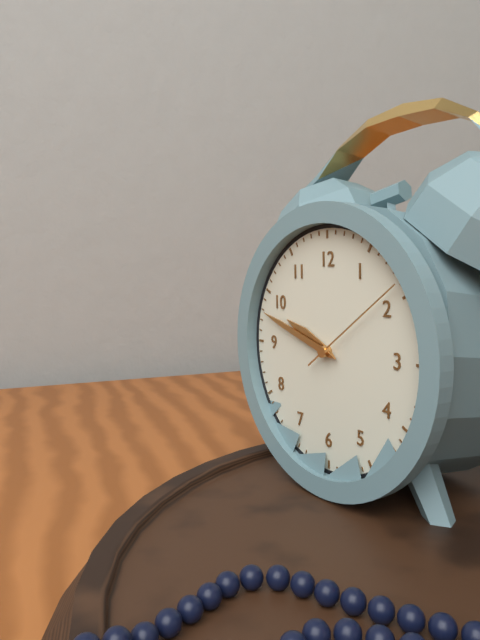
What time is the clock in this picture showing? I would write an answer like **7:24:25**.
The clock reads **9:48:09**
